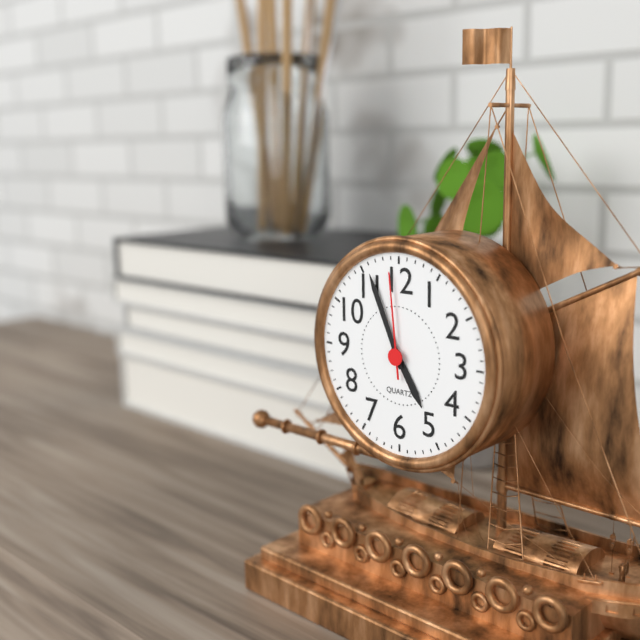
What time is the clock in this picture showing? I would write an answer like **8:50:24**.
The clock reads **4:56:59**
